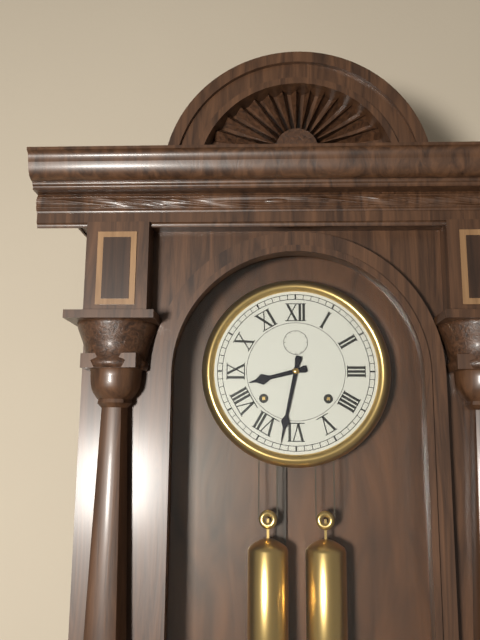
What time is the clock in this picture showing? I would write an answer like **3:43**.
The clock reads **8:32**
